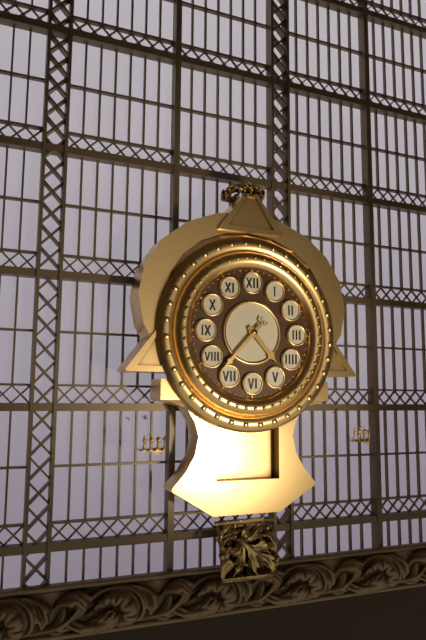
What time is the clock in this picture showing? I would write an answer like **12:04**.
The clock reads **4:37**
